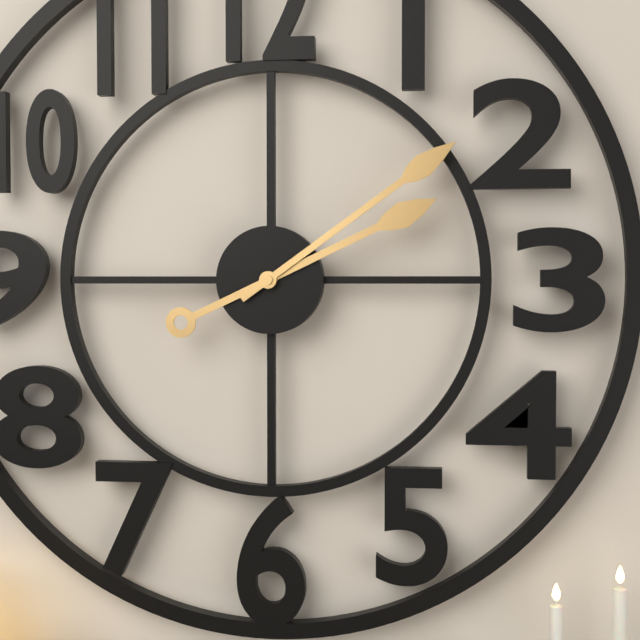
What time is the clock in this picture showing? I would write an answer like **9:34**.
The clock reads **2:09**
